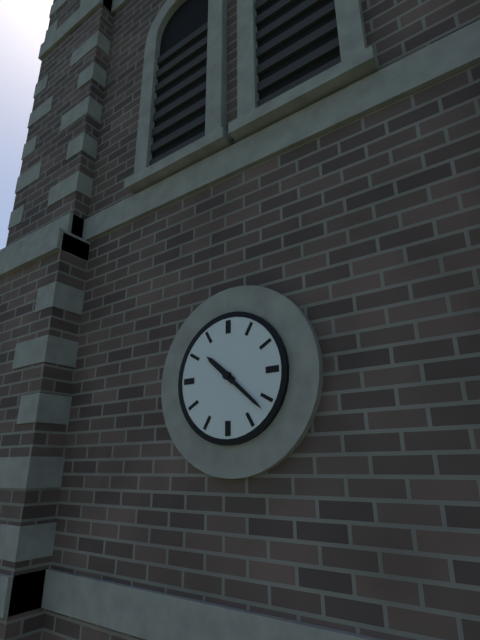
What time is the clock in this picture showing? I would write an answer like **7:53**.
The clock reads **10:22**
